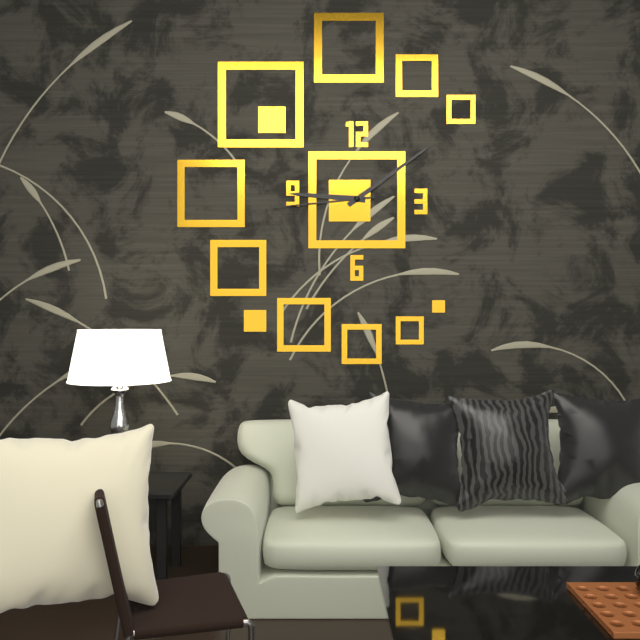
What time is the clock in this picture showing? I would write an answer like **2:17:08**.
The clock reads **9:09:44**
